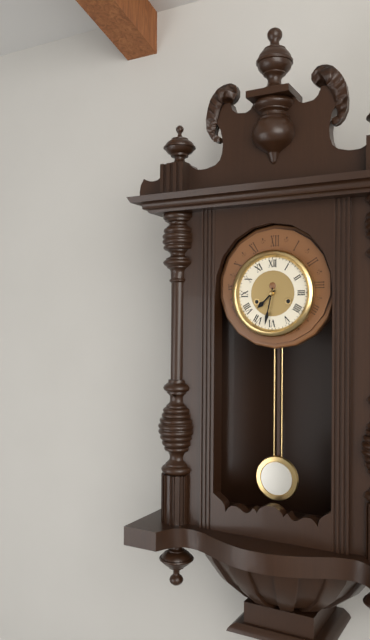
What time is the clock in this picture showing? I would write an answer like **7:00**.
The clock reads **7:32**
